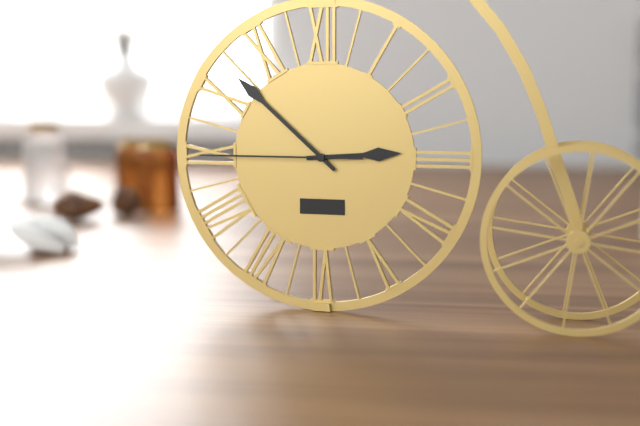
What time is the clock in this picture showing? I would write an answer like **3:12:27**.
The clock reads **2:52:45**
